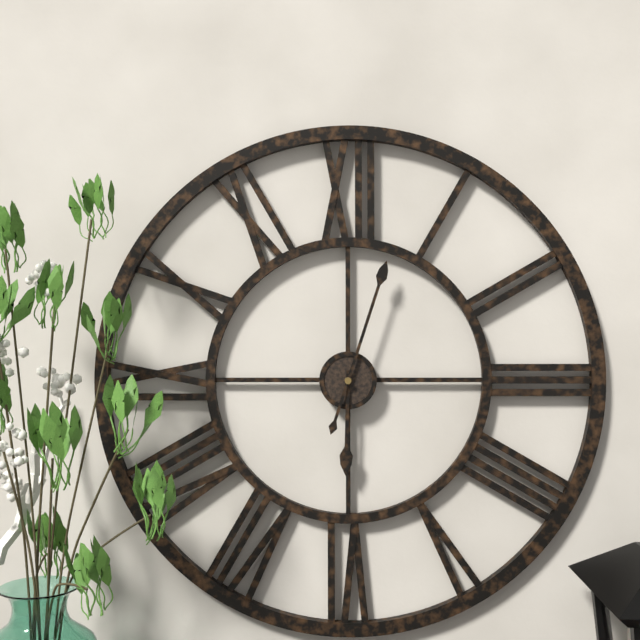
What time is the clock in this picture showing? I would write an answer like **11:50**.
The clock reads **6:03**
